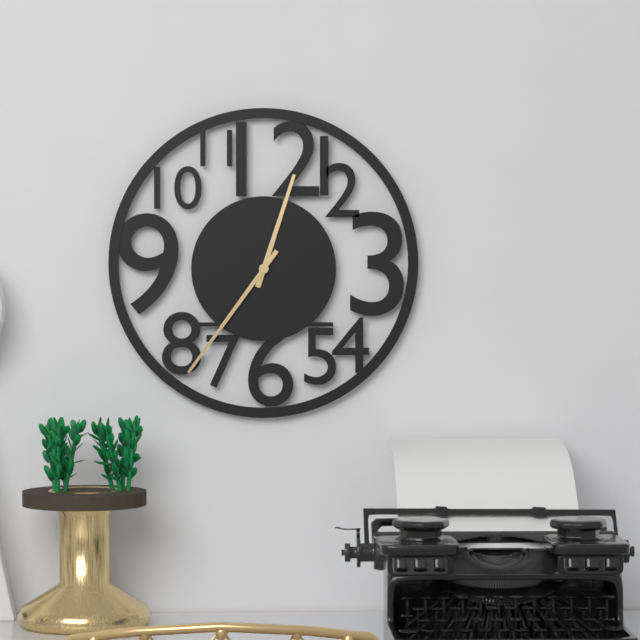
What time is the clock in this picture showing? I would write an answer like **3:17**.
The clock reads **12:36**
